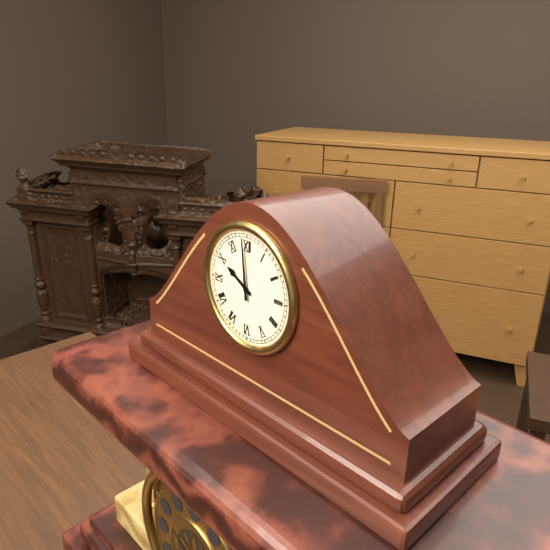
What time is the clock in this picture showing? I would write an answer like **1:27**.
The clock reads **9:59**
